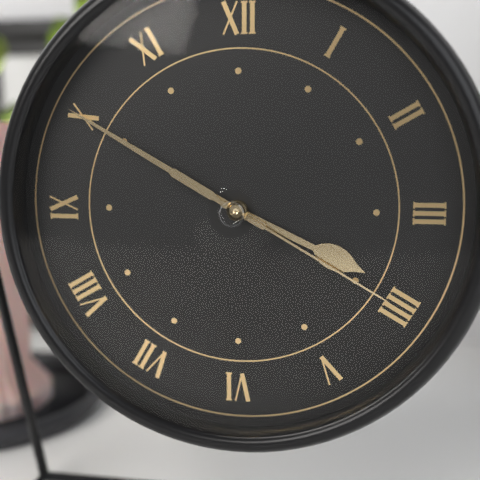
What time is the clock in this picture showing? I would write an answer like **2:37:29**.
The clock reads **3:50:20**
